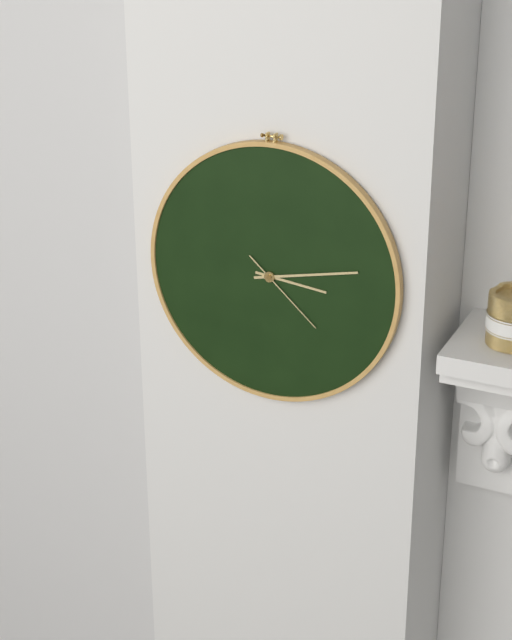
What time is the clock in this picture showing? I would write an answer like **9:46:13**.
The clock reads **3:13:22**
